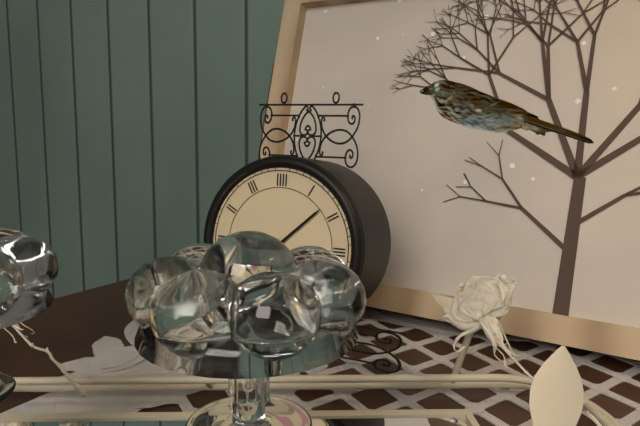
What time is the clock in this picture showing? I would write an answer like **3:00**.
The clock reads **4:08**
